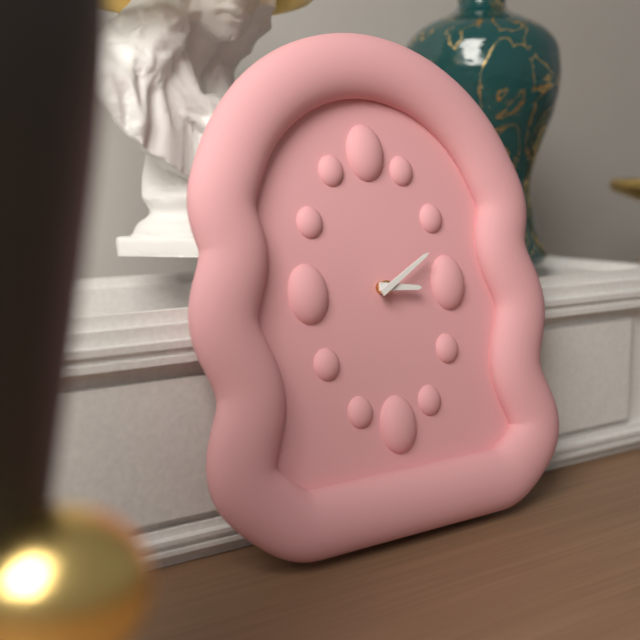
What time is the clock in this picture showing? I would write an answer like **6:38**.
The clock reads **3:10**
